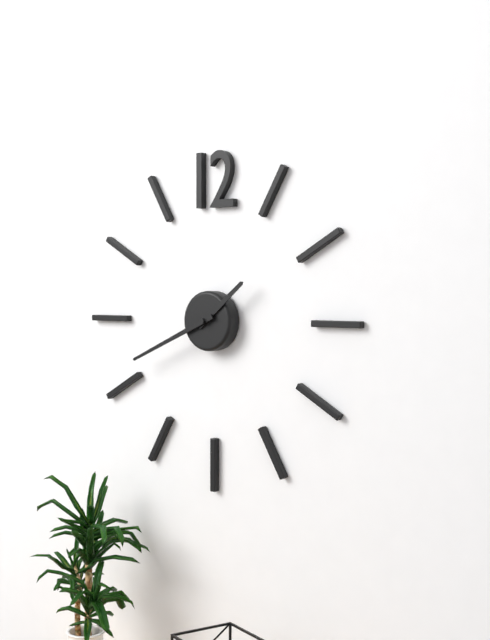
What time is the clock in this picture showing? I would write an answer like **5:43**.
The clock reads **1:41**
